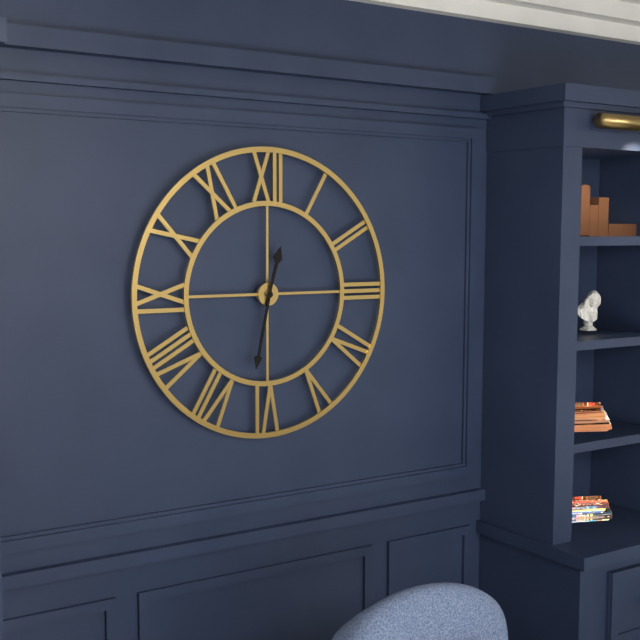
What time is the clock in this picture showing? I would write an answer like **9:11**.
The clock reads **12:32**
